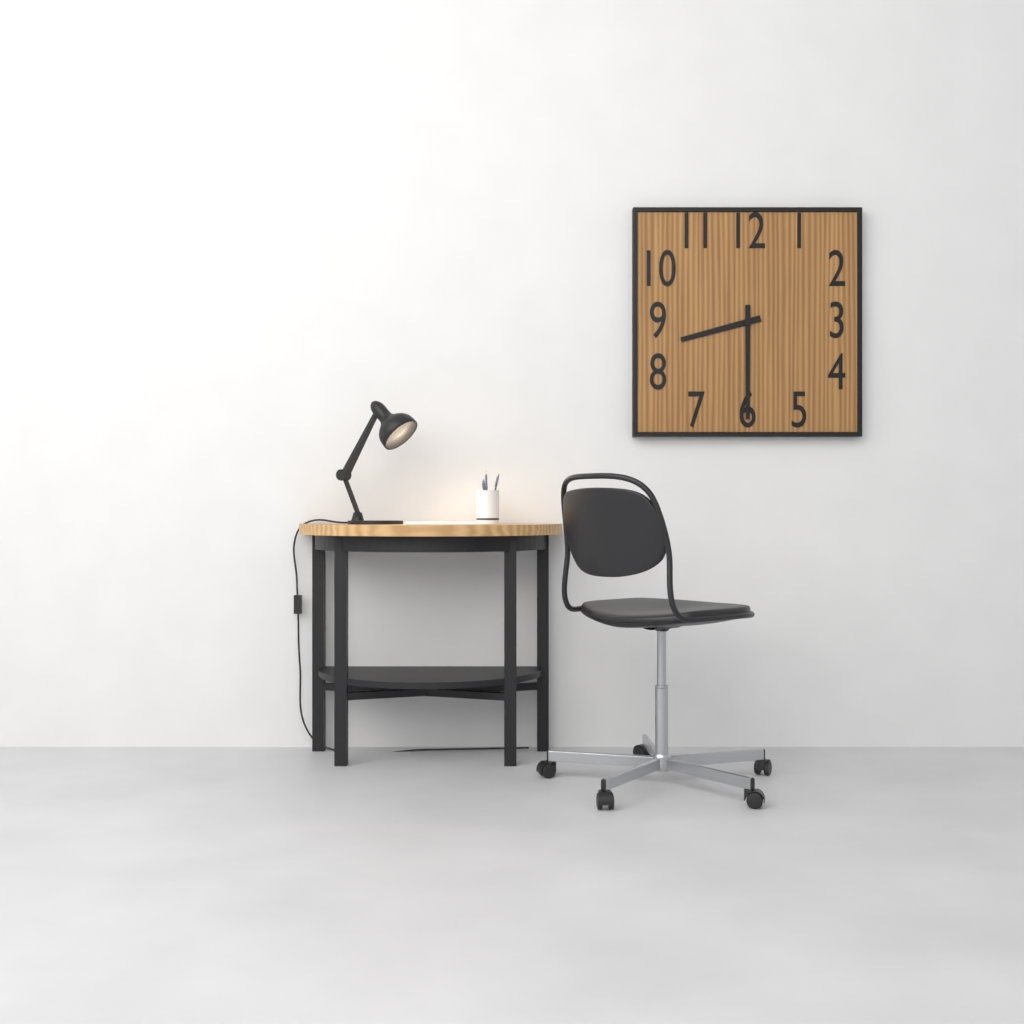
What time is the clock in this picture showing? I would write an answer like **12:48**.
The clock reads **8:30**
